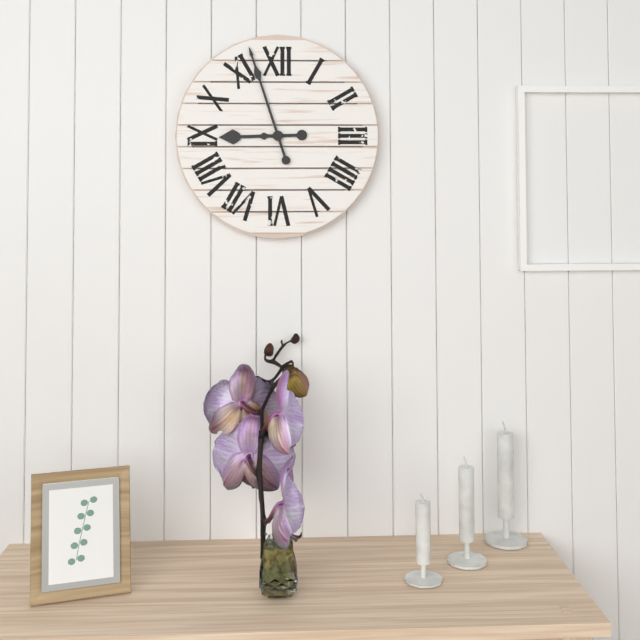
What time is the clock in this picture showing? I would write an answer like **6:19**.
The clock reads **8:57**
